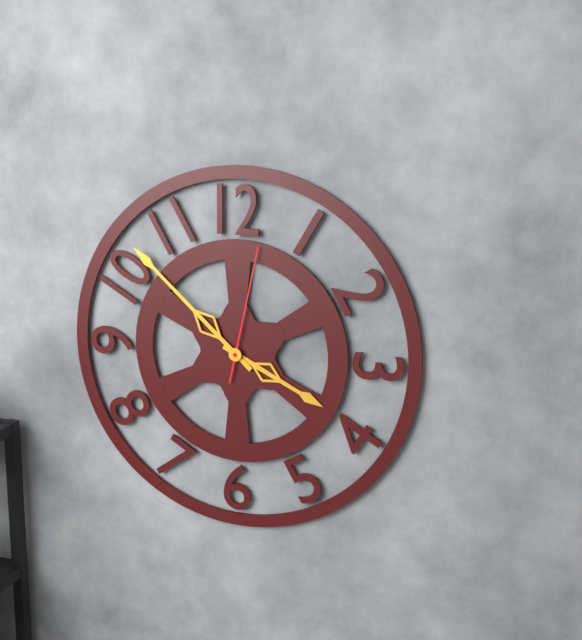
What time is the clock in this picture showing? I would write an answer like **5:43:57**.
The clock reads **3:52:02**
